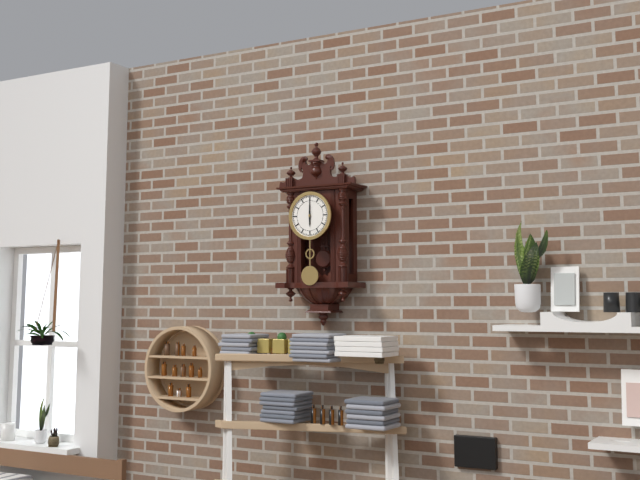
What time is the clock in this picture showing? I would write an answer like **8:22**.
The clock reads **6:00**
